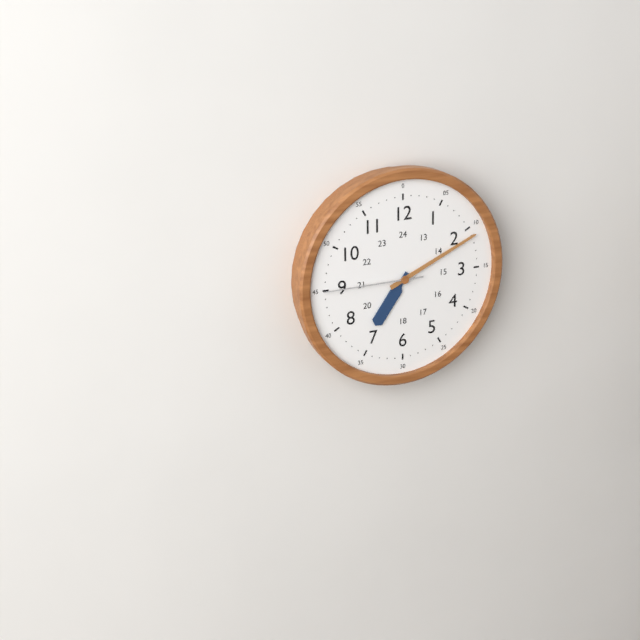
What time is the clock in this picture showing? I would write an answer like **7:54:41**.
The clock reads **7:11:45**
